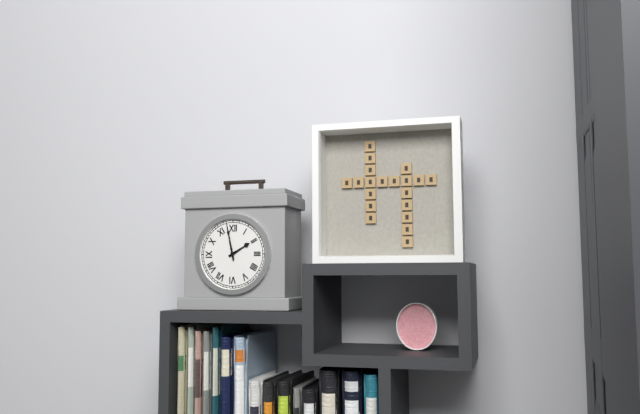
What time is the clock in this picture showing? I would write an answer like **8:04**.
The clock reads **1:58**
